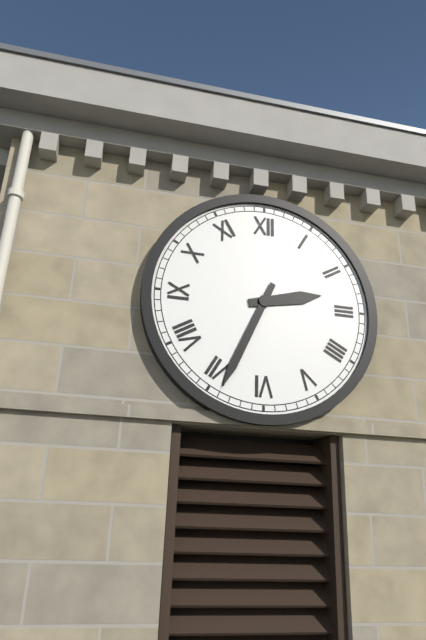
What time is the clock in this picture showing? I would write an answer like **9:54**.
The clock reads **2:34**
